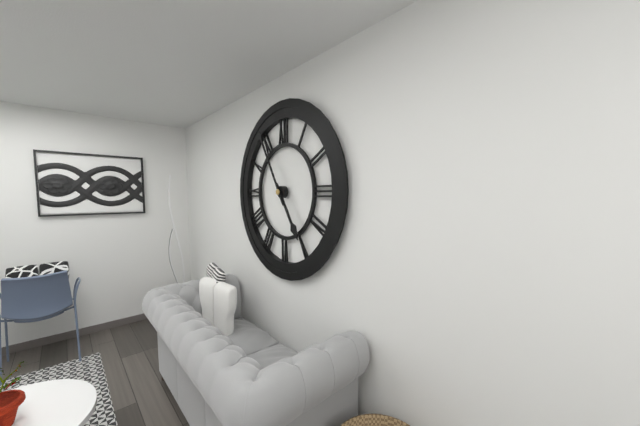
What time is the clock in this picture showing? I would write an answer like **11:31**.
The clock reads **4:55**
